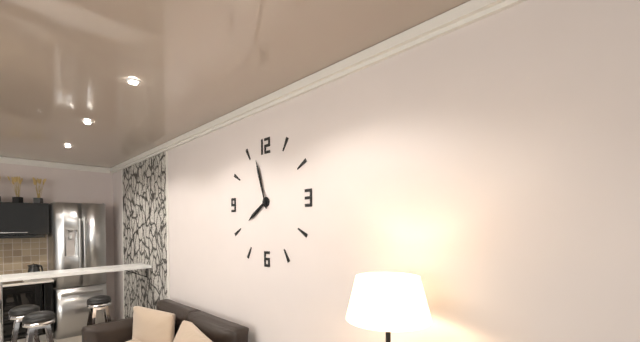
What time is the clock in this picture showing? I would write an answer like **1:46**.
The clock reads **7:57**
